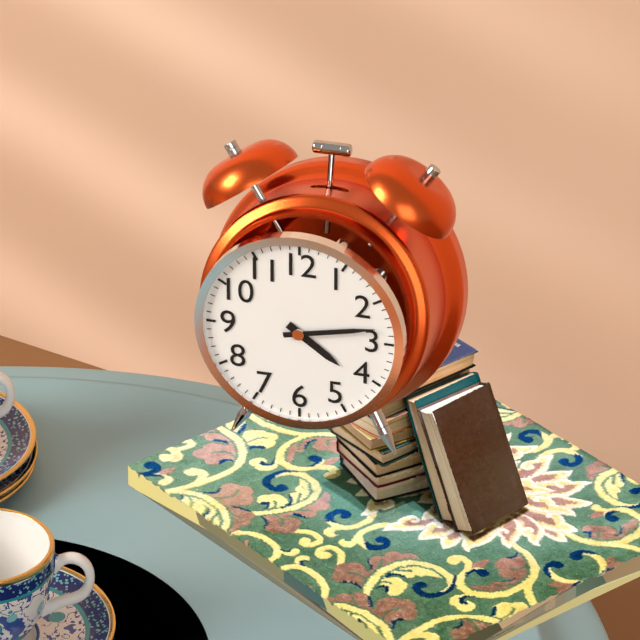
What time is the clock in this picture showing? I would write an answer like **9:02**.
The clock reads **4:13**
